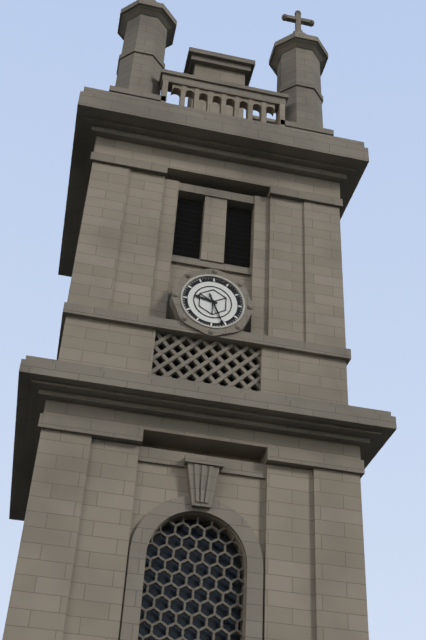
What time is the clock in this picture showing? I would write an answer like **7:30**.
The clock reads **9:26**
